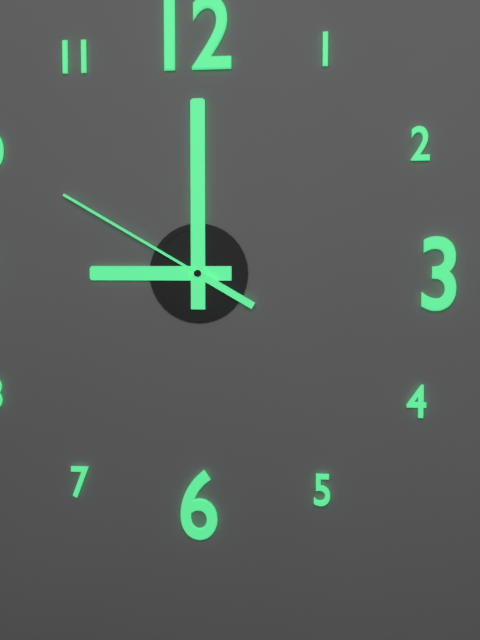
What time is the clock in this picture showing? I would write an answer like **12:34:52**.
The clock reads **9:00:50**
